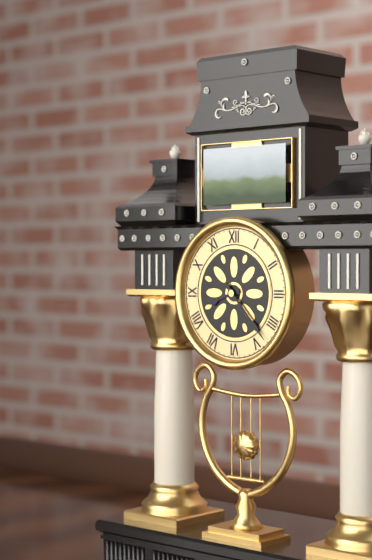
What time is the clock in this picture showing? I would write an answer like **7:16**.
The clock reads **8:23**
